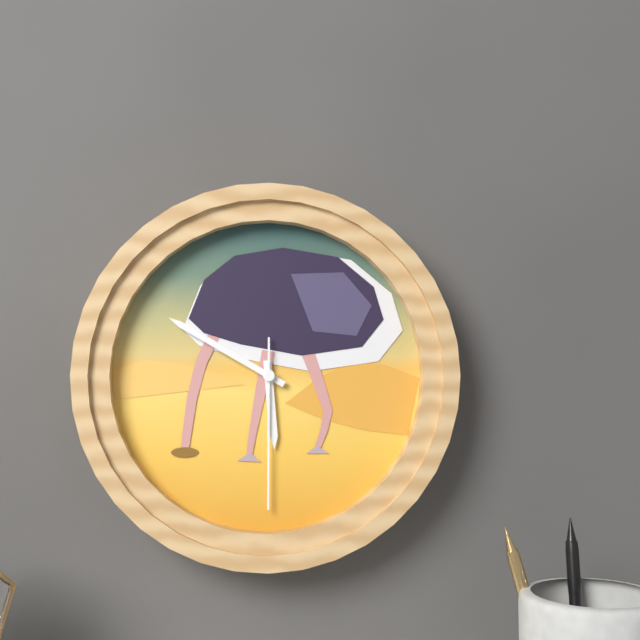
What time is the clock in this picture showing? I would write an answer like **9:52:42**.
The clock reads **5:50:30**
